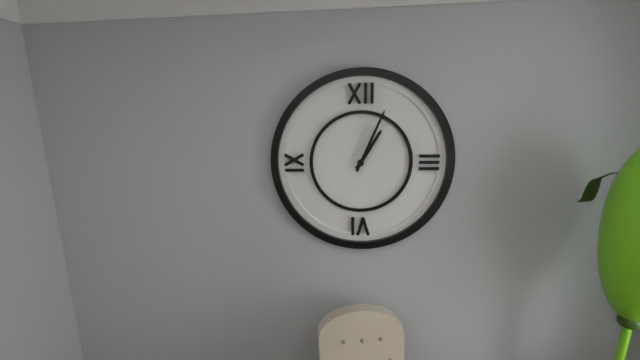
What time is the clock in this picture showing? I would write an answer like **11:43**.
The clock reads **1:04**
